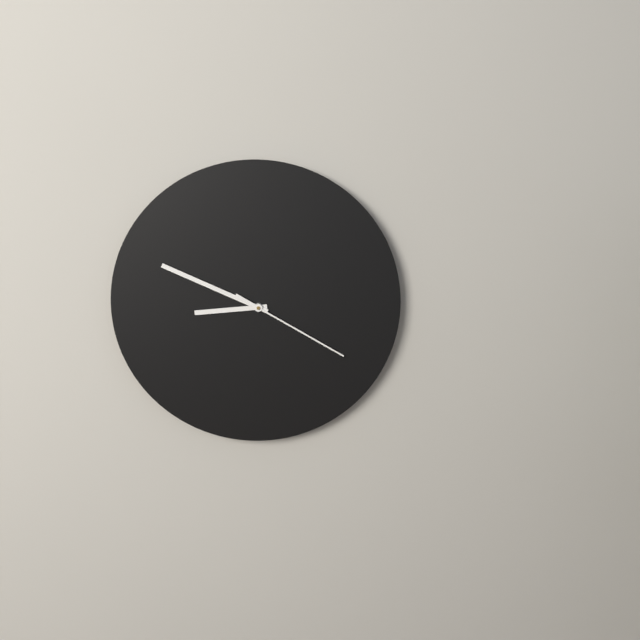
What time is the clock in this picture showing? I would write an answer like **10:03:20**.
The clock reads **8:49:20**
